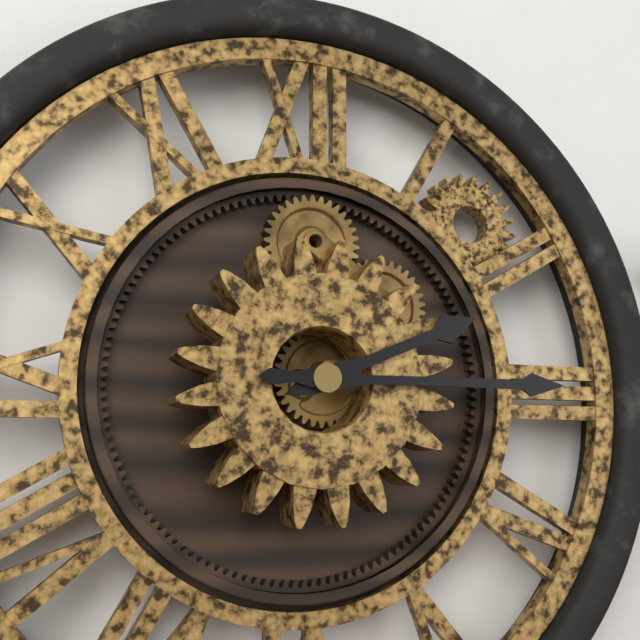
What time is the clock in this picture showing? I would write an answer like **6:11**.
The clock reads **2:15**
